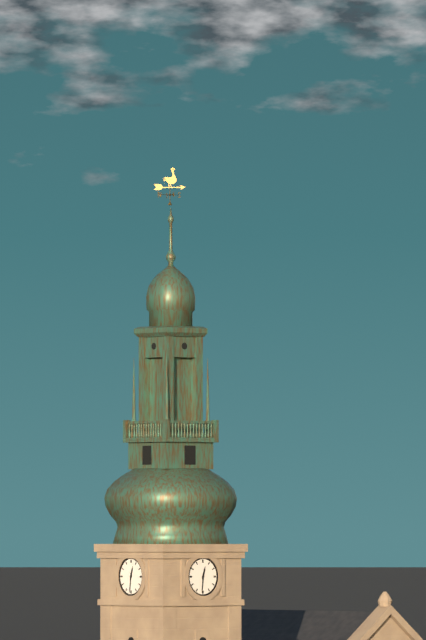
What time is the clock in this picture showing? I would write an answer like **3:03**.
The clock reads **12:31**
